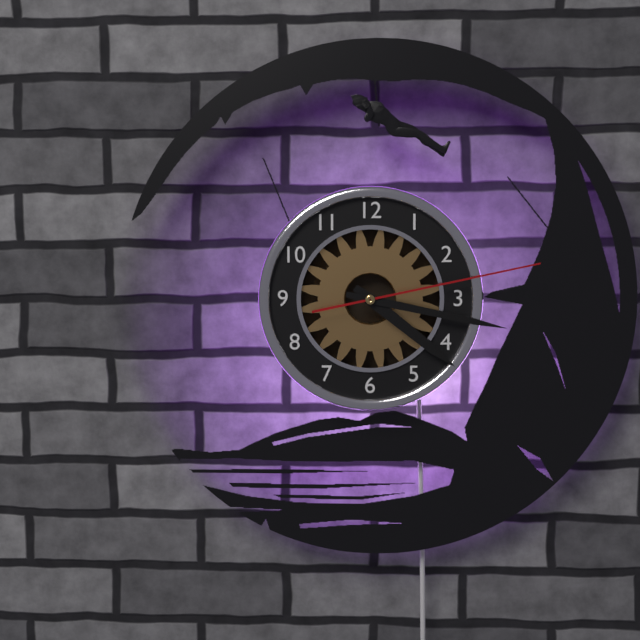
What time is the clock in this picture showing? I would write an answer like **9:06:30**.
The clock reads **4:17:13**
